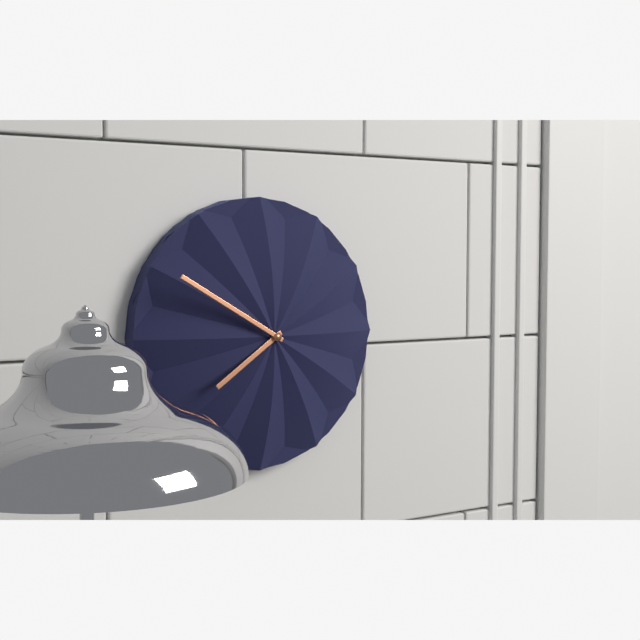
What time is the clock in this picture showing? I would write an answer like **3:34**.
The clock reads **7:50**
